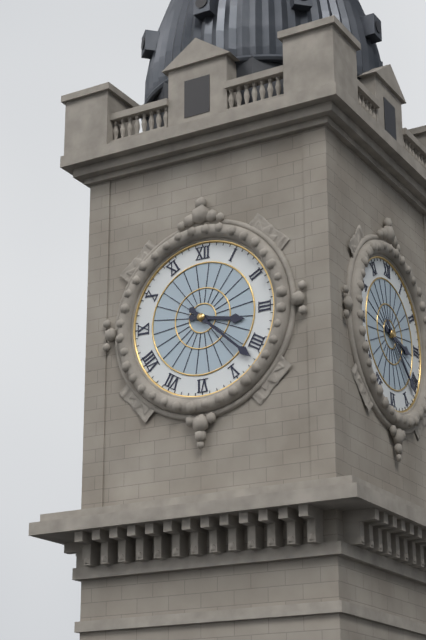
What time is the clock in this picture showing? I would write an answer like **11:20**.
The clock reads **3:22**
